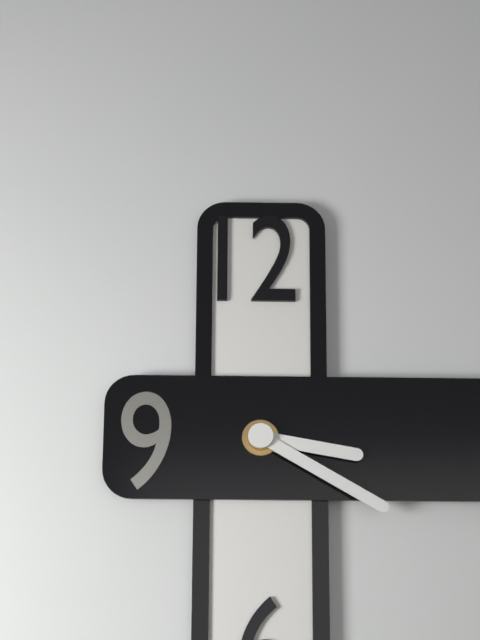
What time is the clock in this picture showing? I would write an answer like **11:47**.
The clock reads **3:20**
